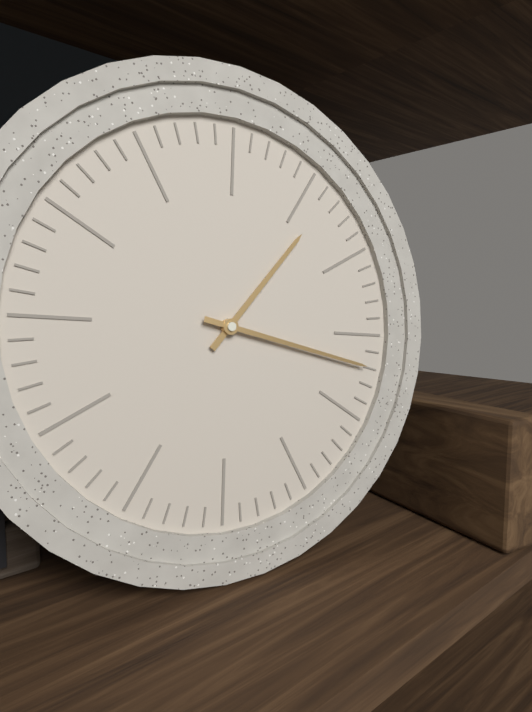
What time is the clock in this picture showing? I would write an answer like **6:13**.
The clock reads **1:17**
